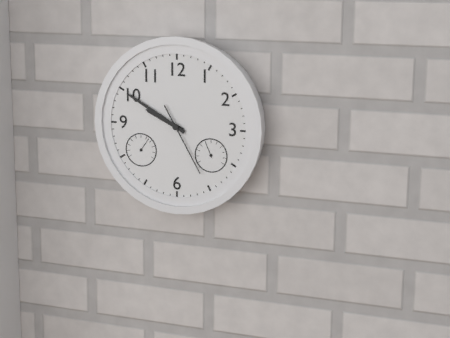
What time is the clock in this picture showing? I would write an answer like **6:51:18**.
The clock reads **9:50:25**
